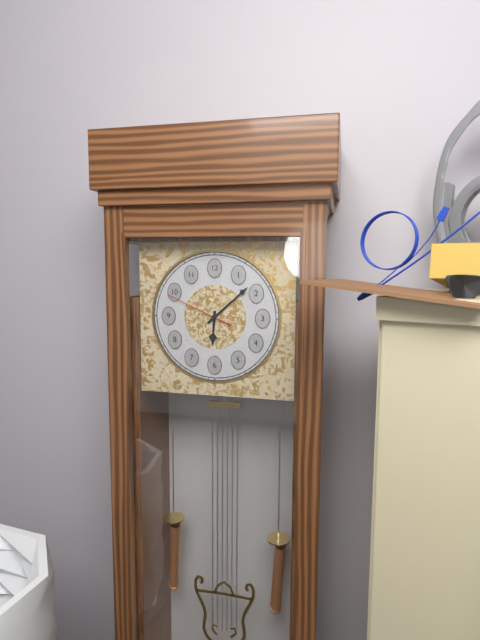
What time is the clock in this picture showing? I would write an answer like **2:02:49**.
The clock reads **6:08:49**
